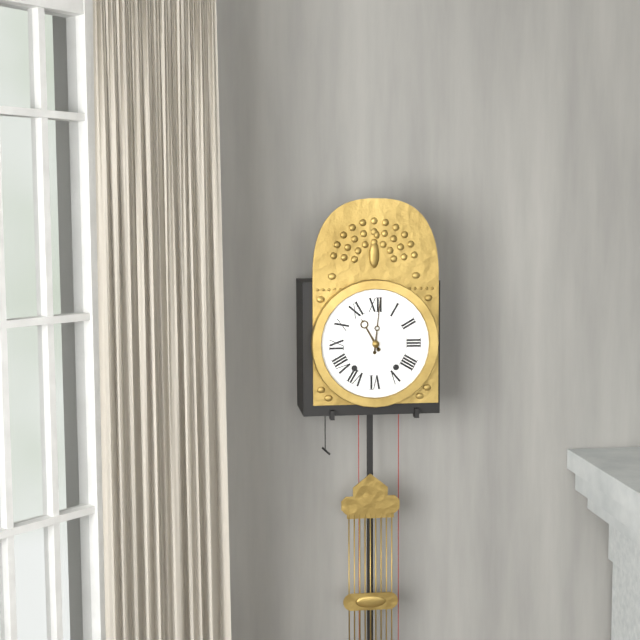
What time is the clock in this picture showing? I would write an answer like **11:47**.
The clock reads **11:01**
